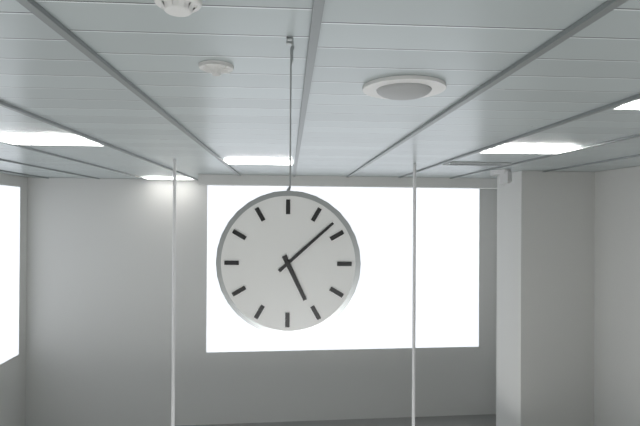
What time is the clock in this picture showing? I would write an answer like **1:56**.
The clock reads **5:08**
